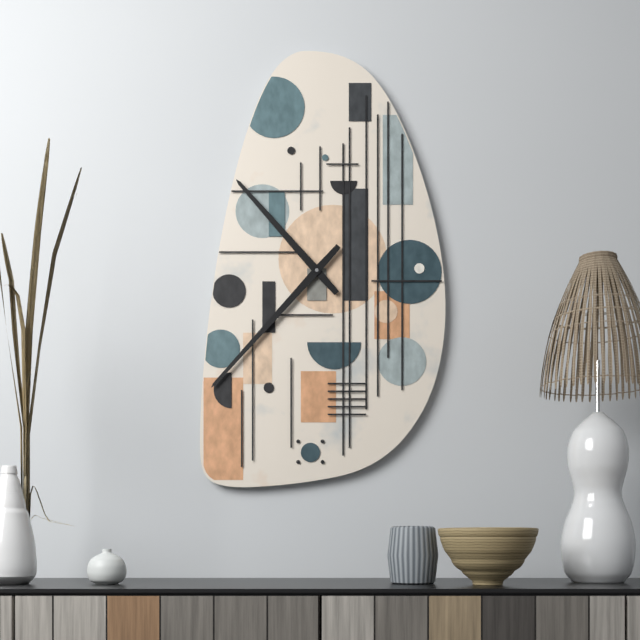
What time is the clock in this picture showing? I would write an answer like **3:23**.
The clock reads **10:37**
